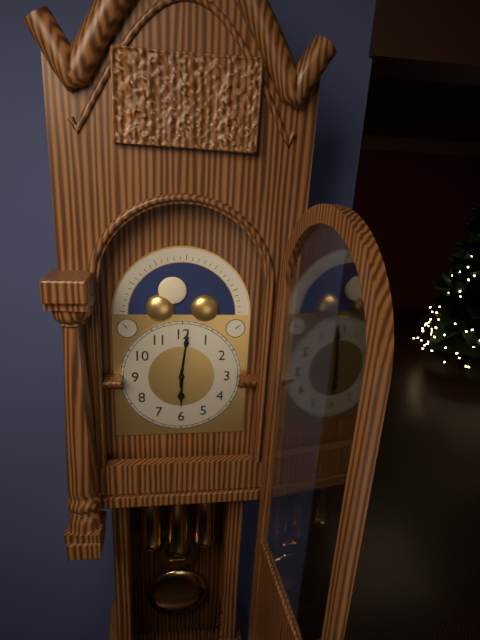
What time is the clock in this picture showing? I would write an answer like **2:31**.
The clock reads **6:01**
